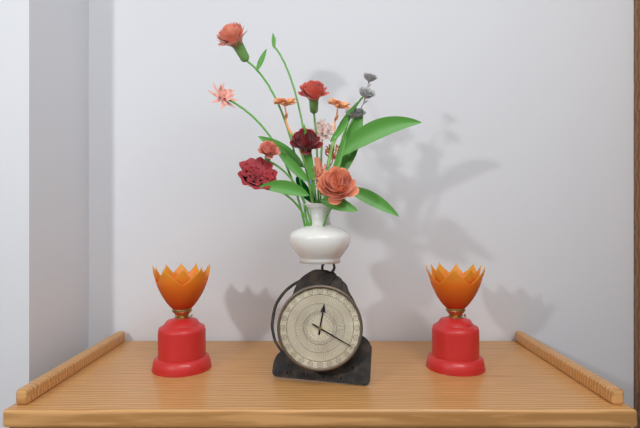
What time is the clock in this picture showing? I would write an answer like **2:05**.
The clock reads **12:20**
